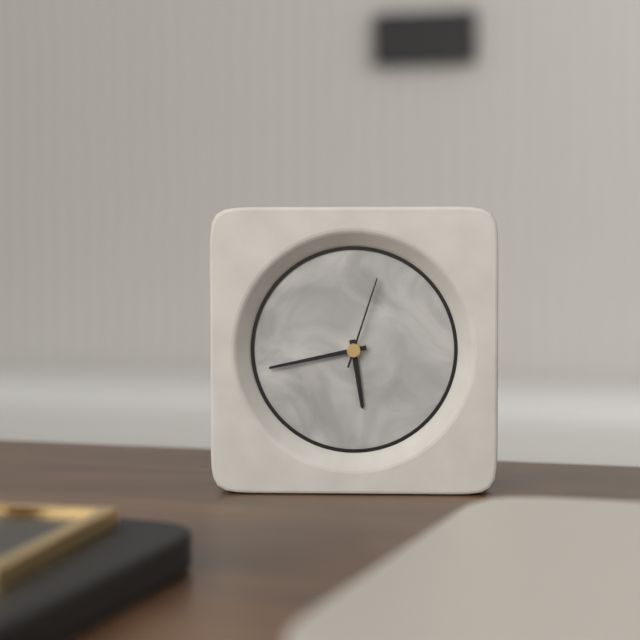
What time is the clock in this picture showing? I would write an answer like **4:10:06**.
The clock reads **5:43:03**
